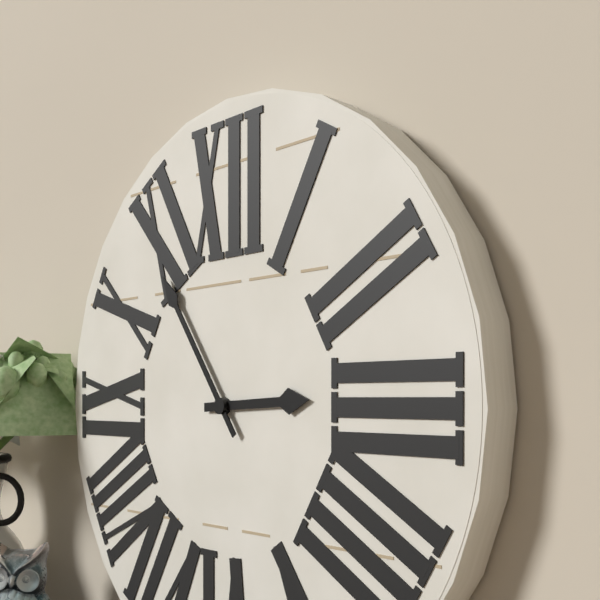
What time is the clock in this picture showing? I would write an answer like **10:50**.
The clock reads **2:54**
